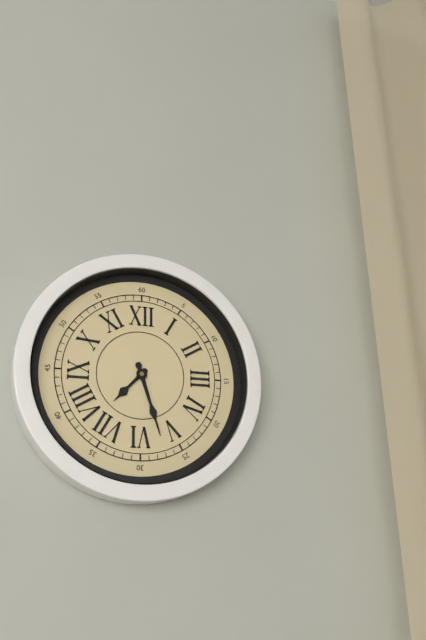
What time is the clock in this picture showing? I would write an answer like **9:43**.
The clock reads **7:27**
